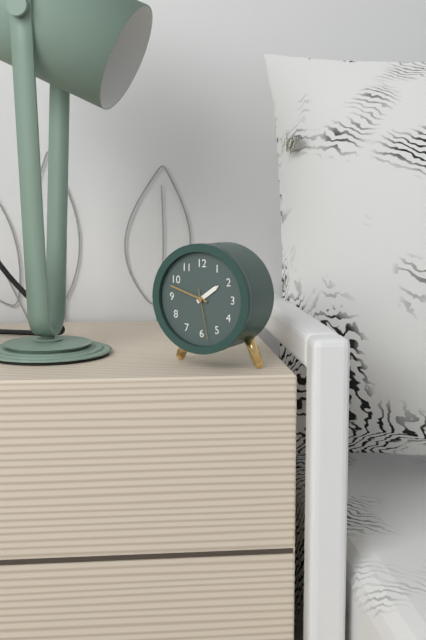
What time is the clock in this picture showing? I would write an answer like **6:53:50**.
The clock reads **1:48:28**
